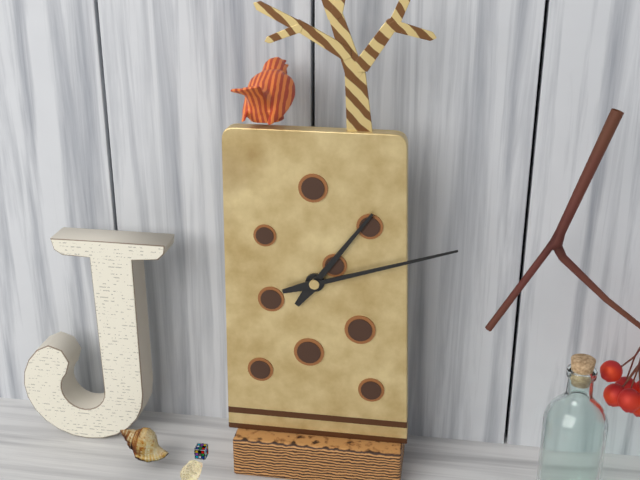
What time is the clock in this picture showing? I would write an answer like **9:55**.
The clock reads **1:12**
